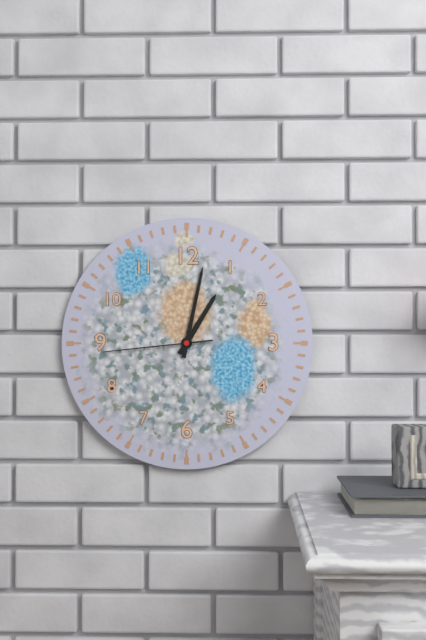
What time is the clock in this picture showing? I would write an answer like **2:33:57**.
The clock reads **1:02:44**
